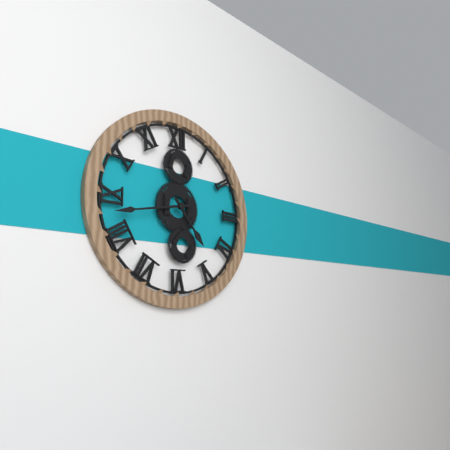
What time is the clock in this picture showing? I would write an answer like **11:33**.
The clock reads **4:43**
